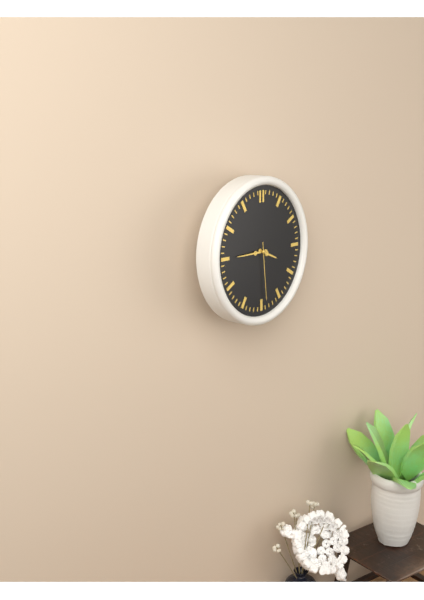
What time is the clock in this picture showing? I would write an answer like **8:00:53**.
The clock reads **3:45:29**
